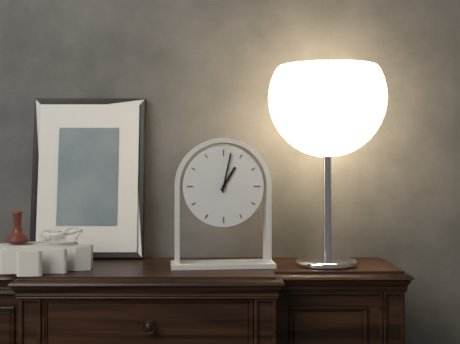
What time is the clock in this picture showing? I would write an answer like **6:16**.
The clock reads **1:02**
